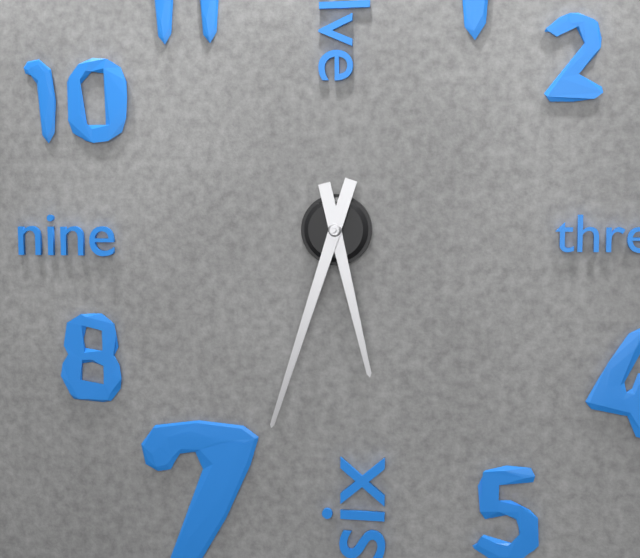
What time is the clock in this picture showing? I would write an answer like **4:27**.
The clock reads **5:33**
